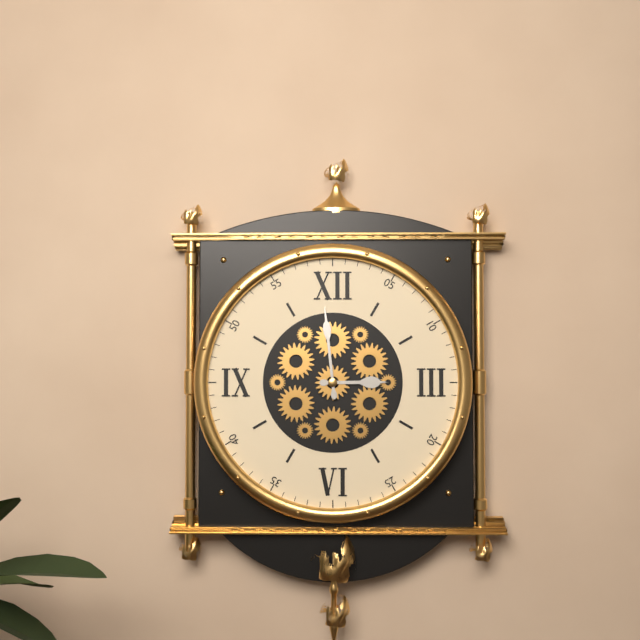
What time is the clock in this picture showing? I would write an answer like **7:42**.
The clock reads **2:59**
